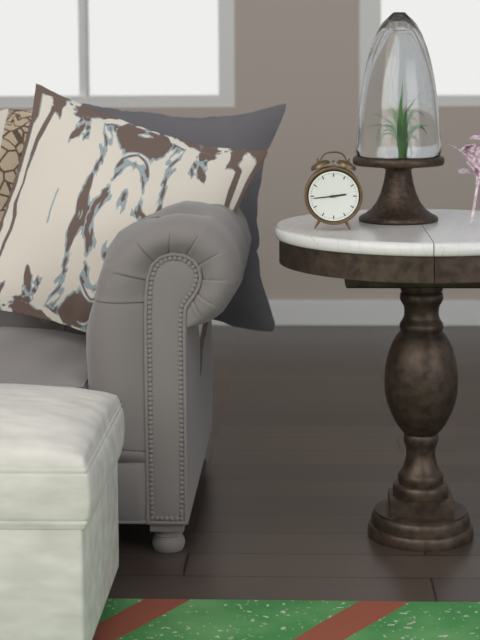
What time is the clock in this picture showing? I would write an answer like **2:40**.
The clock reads **2:44**
